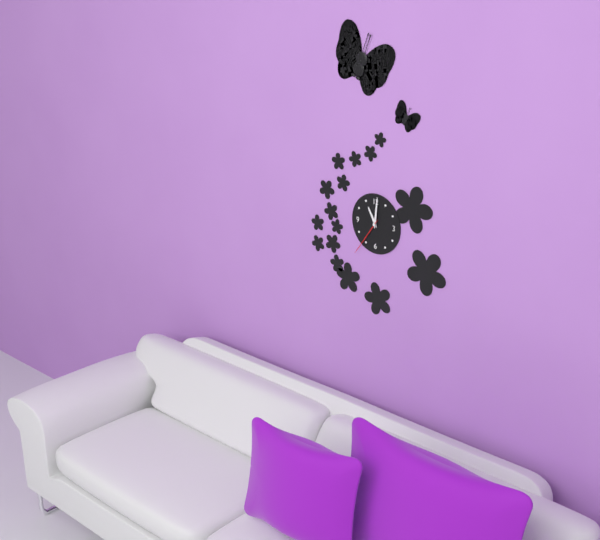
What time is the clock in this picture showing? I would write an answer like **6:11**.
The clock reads **11:01**
